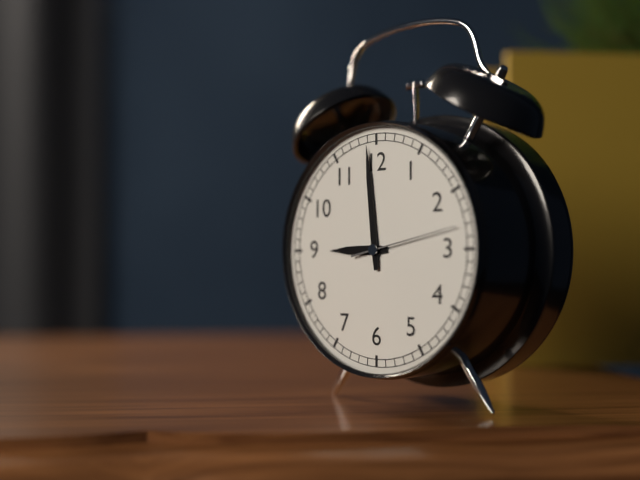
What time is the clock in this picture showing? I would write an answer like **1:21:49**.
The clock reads **8:59:13**
